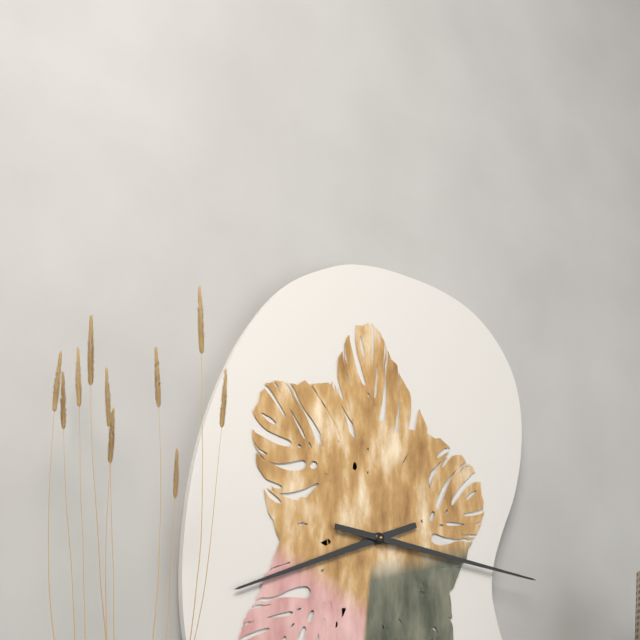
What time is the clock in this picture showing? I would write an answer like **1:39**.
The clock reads **8:16**
